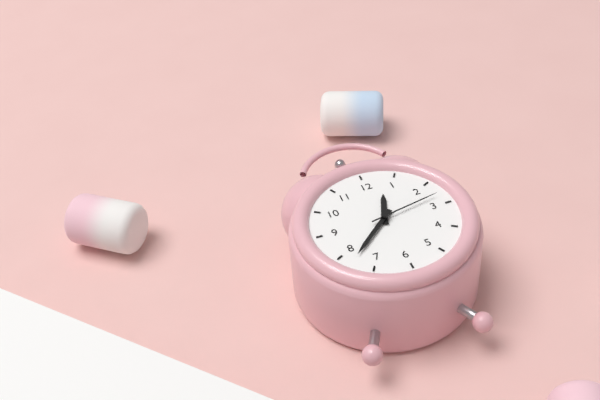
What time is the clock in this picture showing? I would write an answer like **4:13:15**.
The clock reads **12:38:13**
